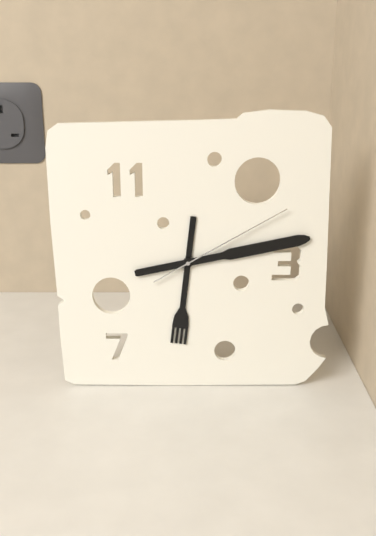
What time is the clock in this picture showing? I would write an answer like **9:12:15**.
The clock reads **6:13:10**
